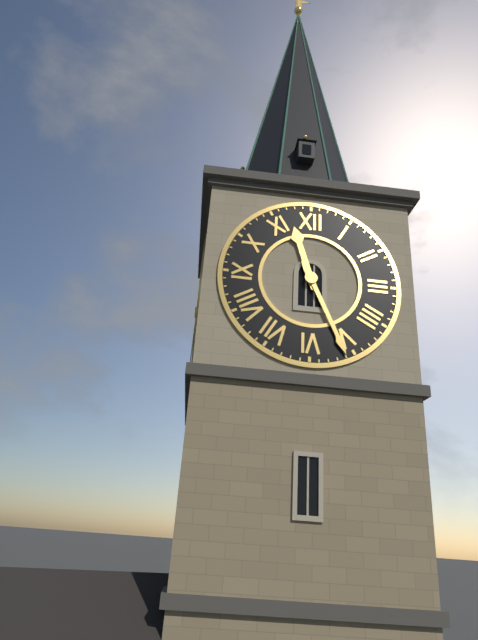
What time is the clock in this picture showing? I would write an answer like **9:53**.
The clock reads **11:26**
